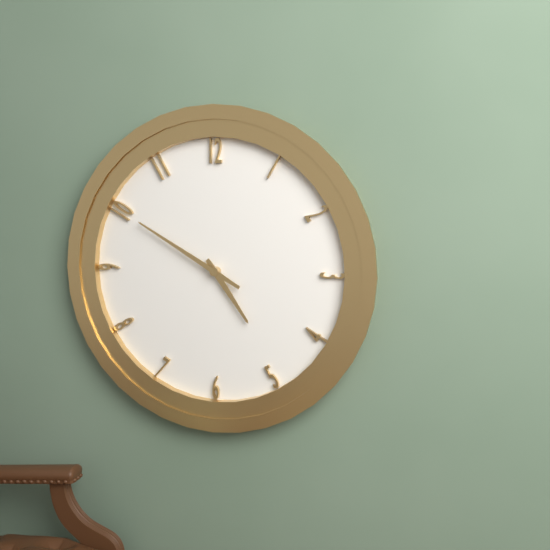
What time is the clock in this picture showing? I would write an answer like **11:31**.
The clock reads **4:50**
